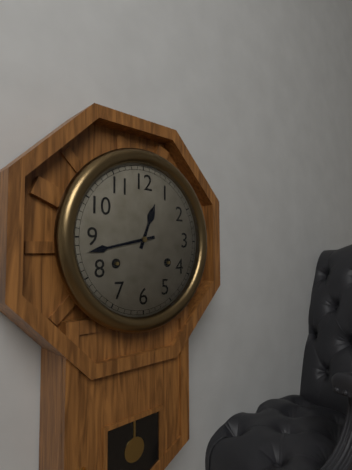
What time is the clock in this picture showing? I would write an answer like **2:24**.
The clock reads **12:43**
